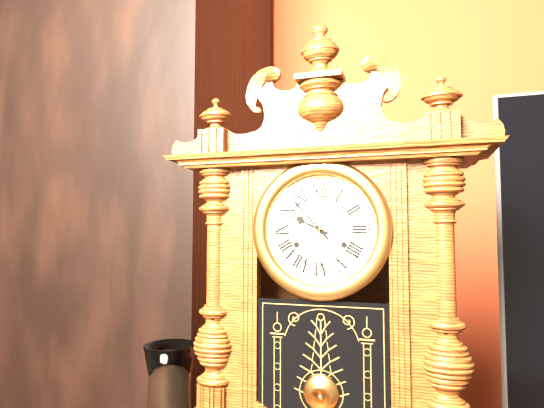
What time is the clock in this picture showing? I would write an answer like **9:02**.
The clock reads **9:53**
